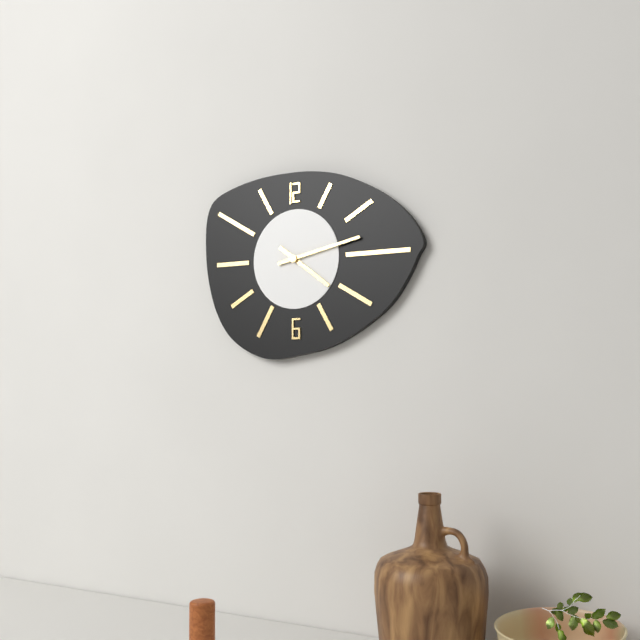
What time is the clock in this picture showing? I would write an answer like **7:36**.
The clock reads **4:13**
